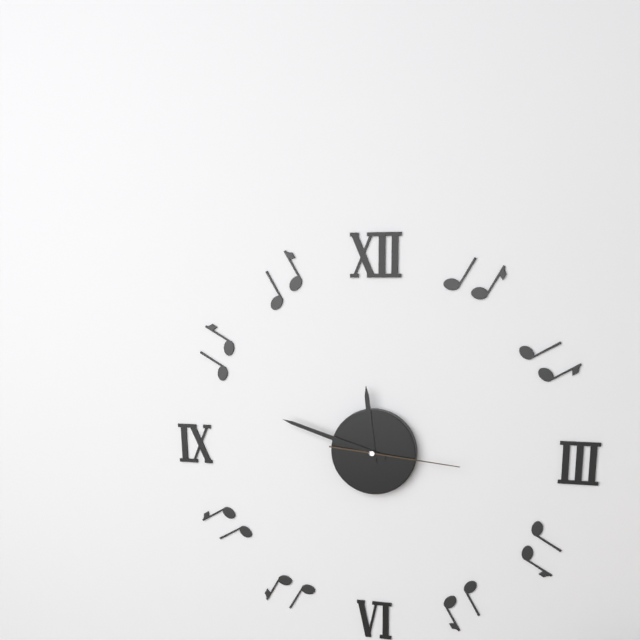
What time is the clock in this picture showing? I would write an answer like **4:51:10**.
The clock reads **11:48:16**
